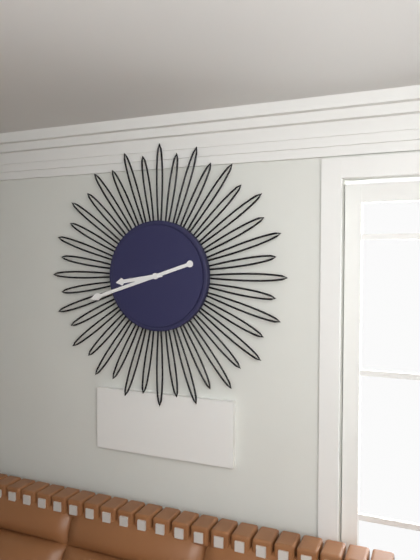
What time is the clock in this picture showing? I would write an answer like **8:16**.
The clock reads **8:42**
